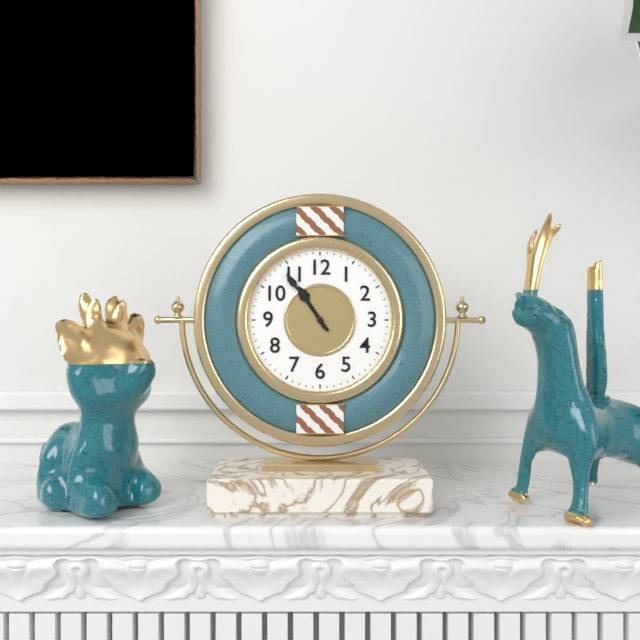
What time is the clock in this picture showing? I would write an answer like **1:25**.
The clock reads **10:54**
